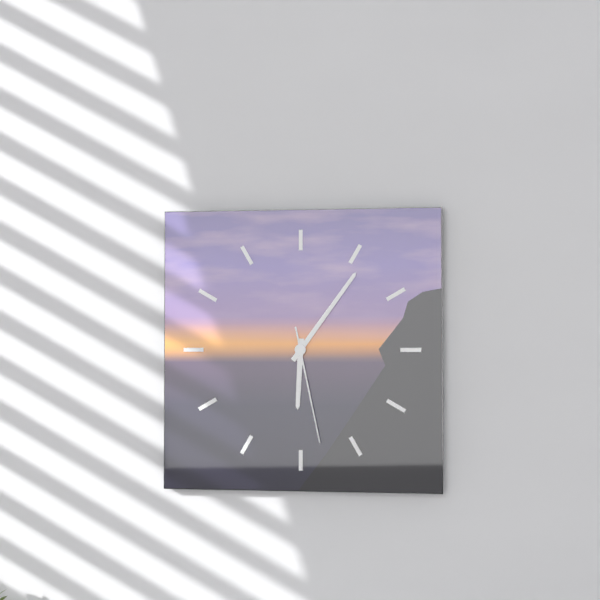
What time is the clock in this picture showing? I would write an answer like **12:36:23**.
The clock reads **6:06:28**
